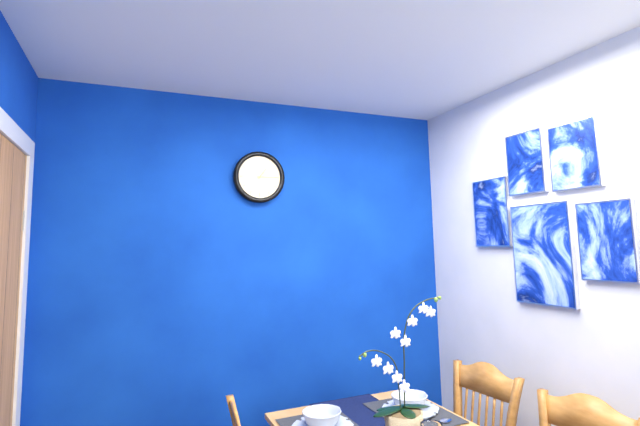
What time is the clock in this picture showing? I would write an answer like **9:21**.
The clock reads **1:15**
